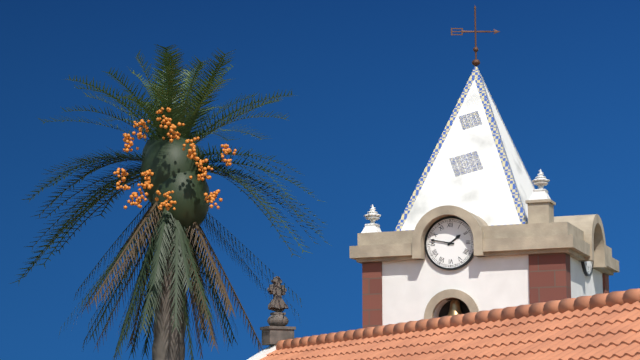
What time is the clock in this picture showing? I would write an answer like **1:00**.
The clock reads **1:47**
